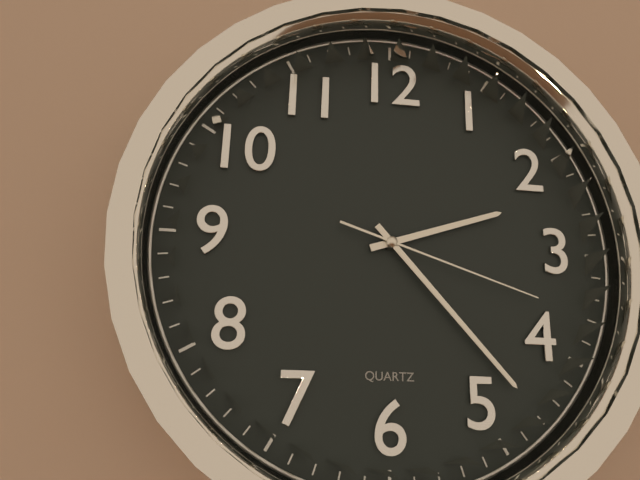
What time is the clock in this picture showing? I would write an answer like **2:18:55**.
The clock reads **2:23:18**
